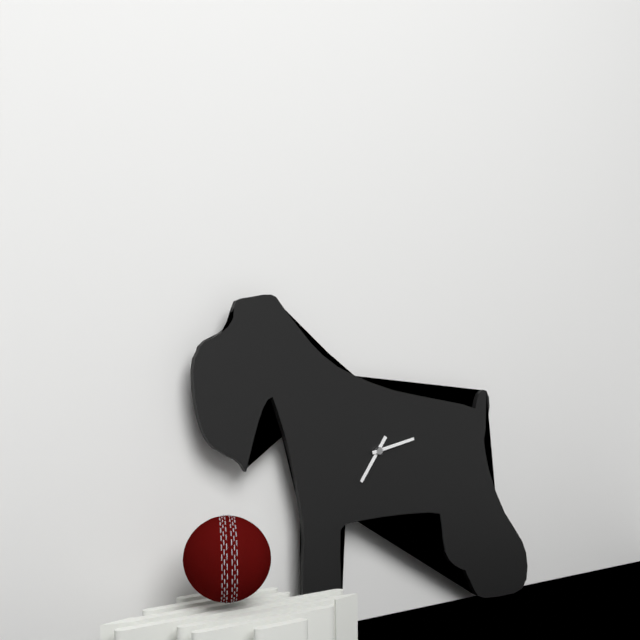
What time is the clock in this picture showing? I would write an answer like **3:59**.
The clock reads **7:13**
